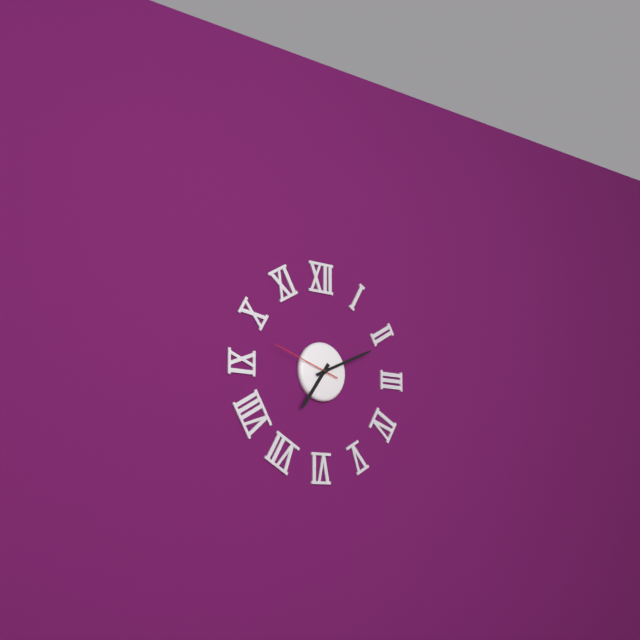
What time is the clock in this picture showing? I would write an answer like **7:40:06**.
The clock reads **7:11:48**
